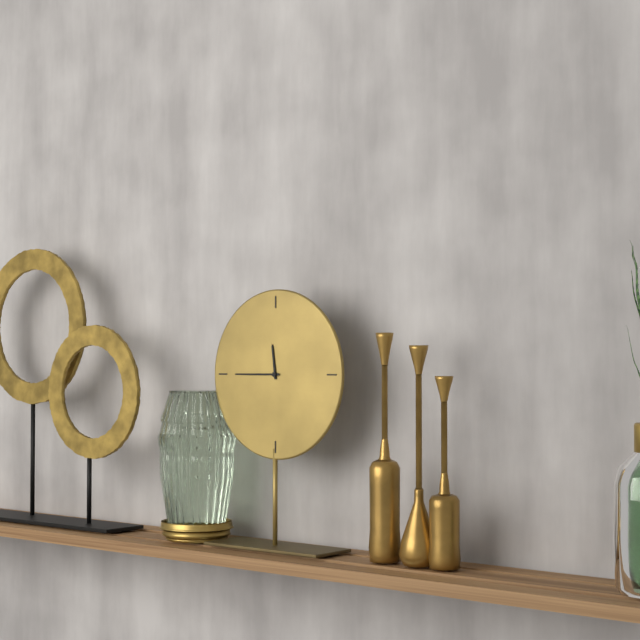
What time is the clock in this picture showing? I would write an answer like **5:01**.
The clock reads **11:45**
